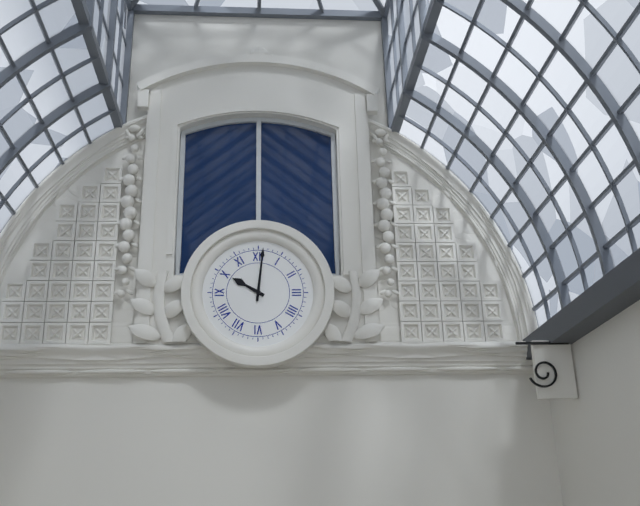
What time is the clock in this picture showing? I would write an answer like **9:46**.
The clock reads **10:01**
